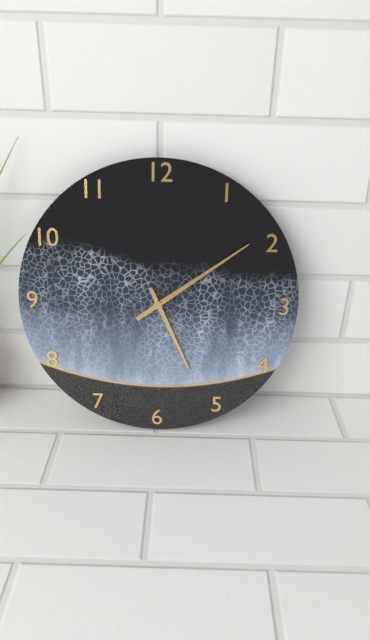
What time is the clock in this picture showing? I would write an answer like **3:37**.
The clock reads **5:09**
